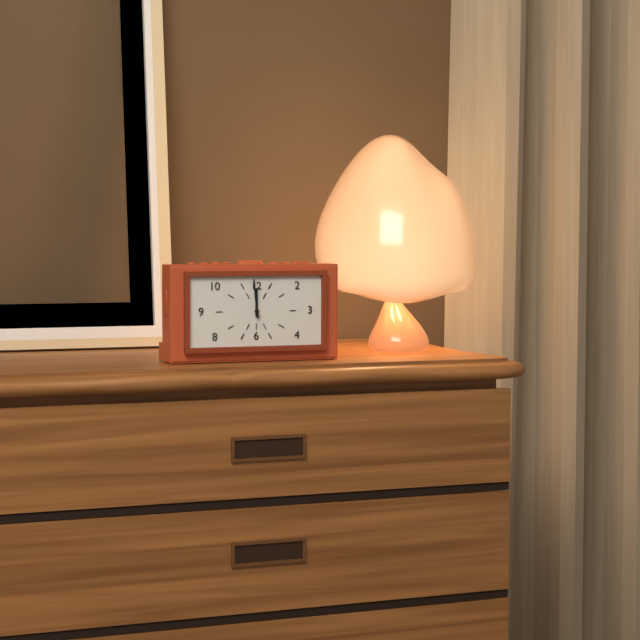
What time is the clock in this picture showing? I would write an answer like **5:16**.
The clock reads **11:59**
